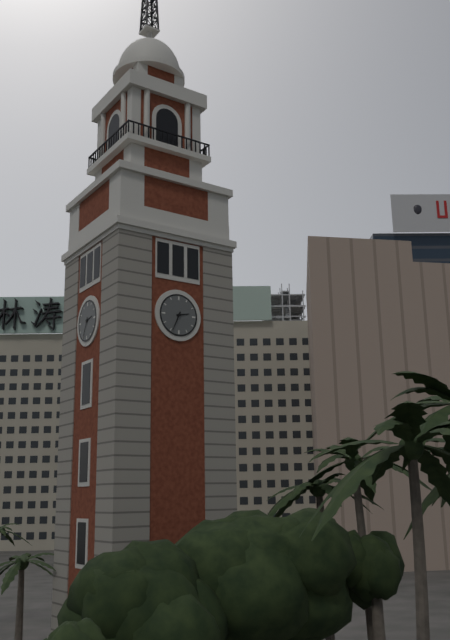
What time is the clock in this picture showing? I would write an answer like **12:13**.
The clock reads **2:34**
